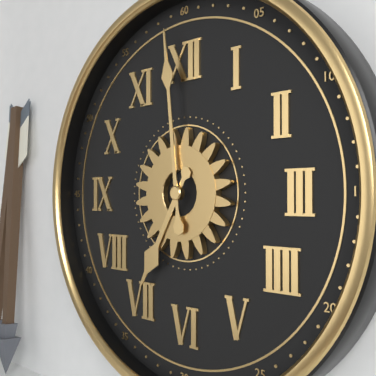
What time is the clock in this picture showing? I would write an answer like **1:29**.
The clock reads **6:59**
